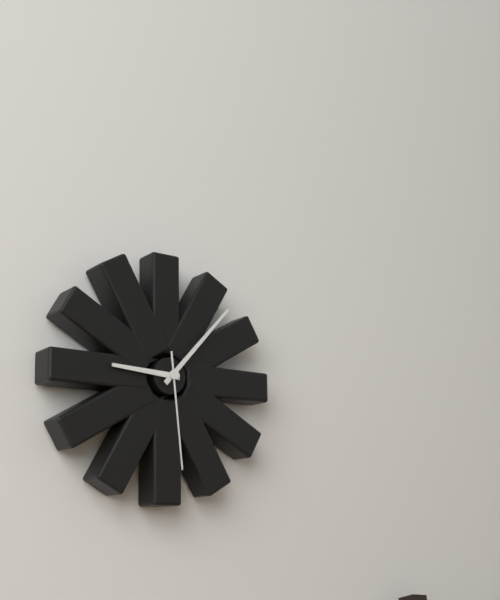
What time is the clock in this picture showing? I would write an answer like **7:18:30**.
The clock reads **9:07:29**
